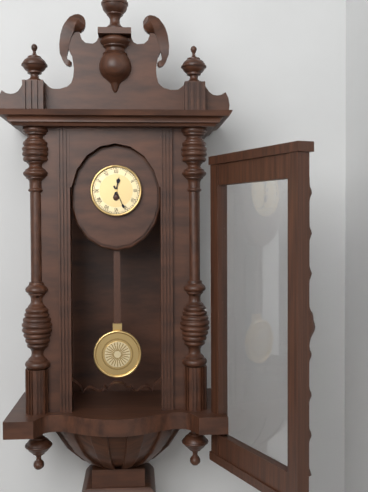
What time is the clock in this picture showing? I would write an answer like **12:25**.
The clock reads **12:26**
